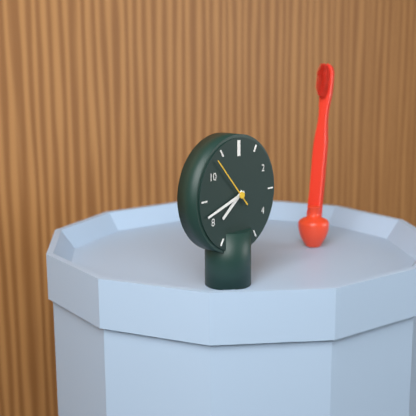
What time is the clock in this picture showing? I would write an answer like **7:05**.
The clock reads **7:42**
